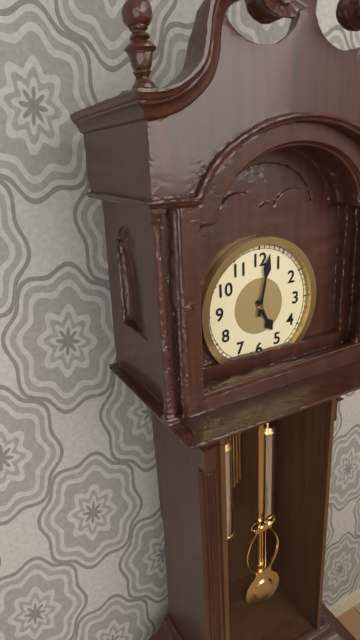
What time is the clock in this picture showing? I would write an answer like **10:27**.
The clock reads **5:02**
